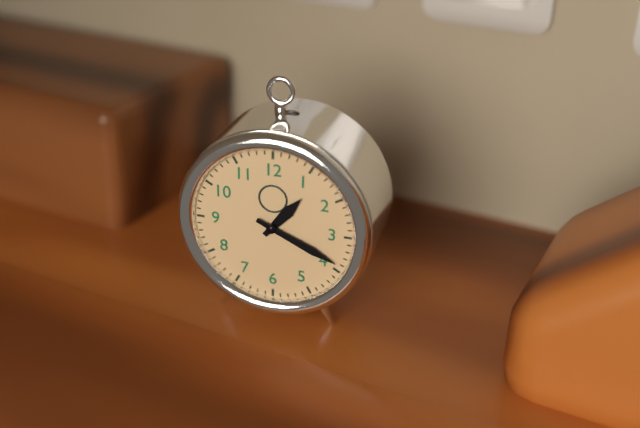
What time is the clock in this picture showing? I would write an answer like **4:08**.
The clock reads **1:19**
